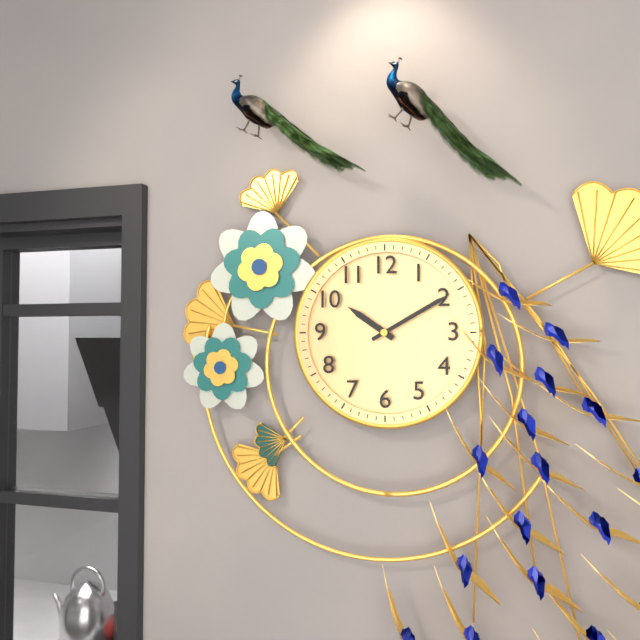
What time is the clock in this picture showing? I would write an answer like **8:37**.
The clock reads **10:10**
